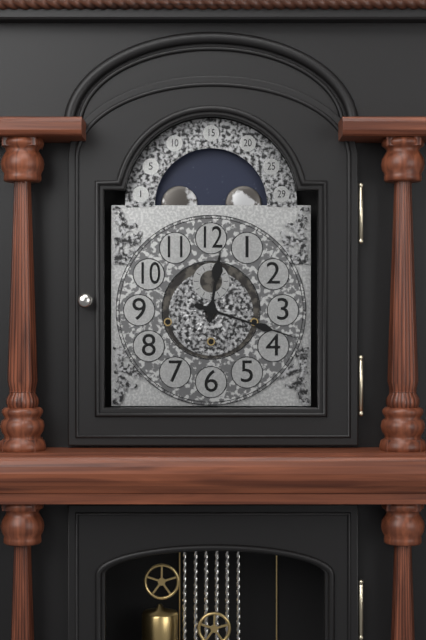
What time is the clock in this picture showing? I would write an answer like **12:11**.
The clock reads **12:18**
